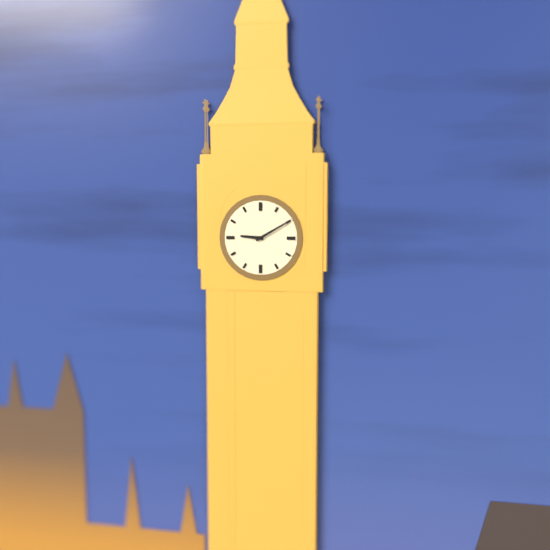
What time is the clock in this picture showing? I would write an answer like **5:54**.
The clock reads **9:10**
